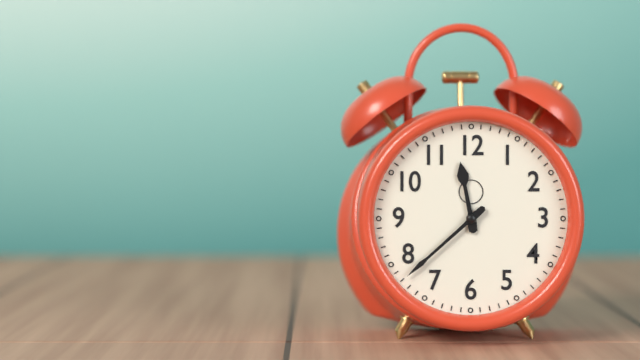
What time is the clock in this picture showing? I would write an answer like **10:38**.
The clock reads **11:38**
